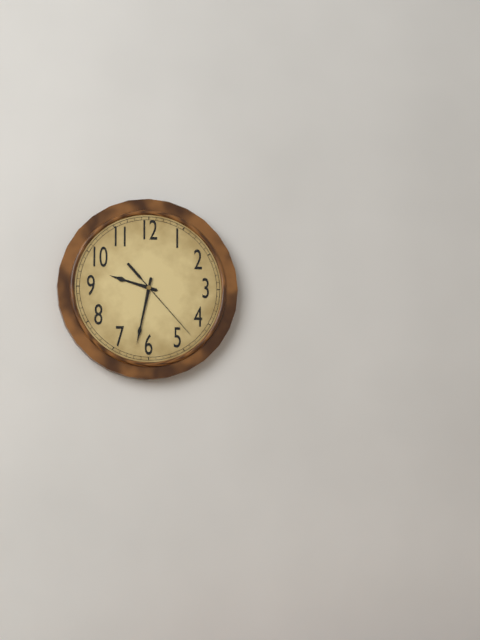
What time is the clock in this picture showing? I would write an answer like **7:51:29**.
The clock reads **9:32:23**
